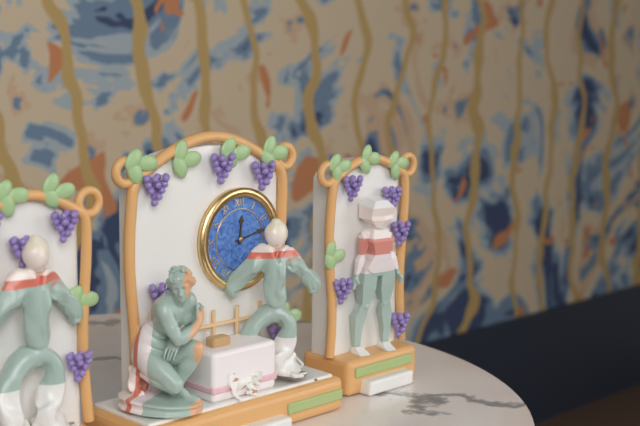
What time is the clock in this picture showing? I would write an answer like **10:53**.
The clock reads **12:13**
